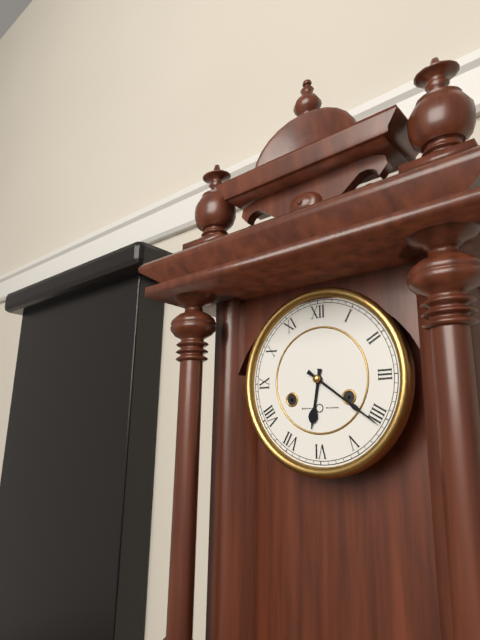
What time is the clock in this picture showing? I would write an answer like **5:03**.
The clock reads **6:21**
